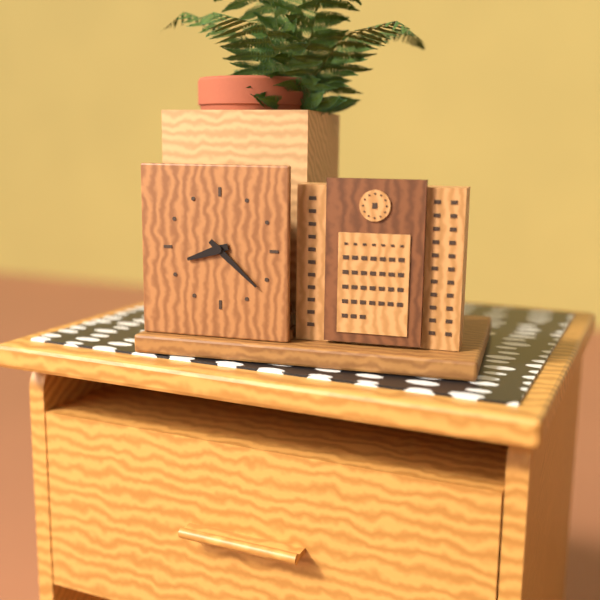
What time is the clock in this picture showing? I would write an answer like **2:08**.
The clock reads **8:22**
